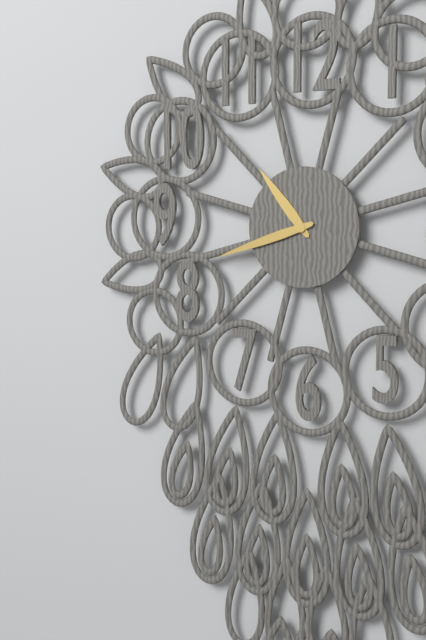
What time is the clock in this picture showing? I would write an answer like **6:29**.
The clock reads **10:42**
